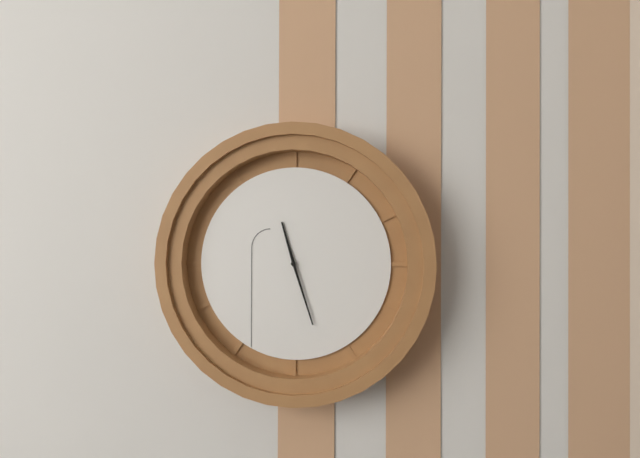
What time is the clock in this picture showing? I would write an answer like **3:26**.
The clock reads **11:27**
